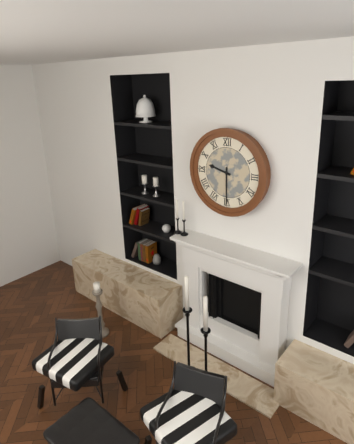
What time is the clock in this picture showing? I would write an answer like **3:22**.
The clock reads **9:30**
